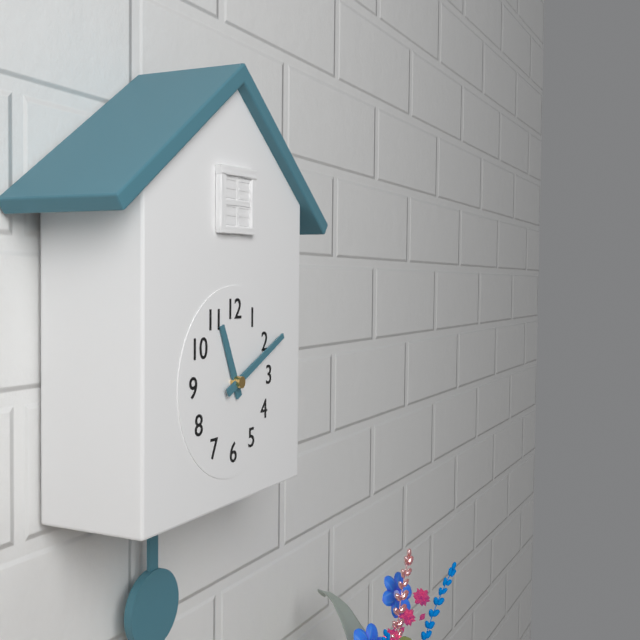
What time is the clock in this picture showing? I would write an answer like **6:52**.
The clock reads **11:11**
